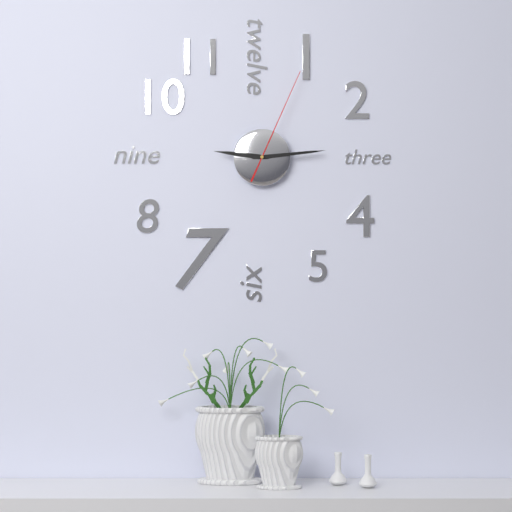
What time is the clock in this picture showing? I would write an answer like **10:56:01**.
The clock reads **9:14:04**
